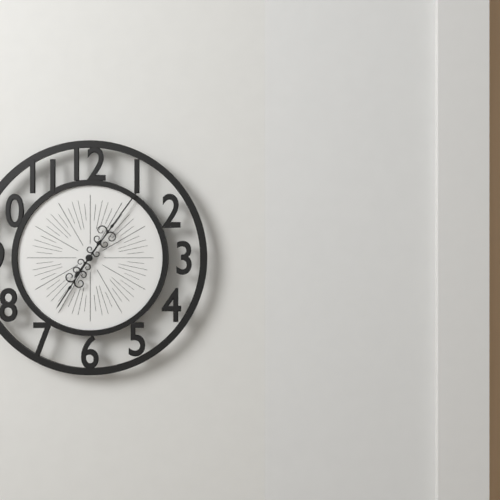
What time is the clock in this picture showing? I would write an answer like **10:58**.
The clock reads **7:06**
